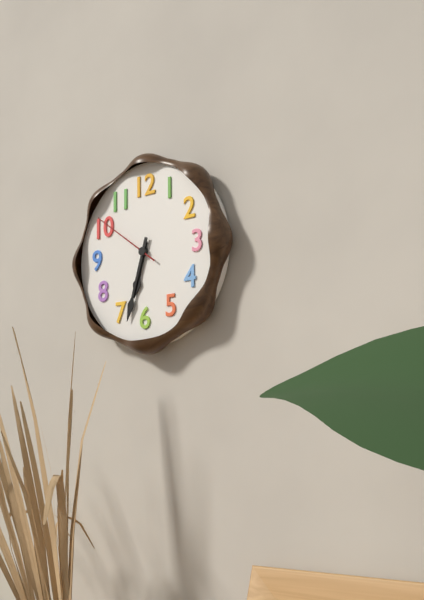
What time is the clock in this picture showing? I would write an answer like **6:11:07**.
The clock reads **6:33:51**
